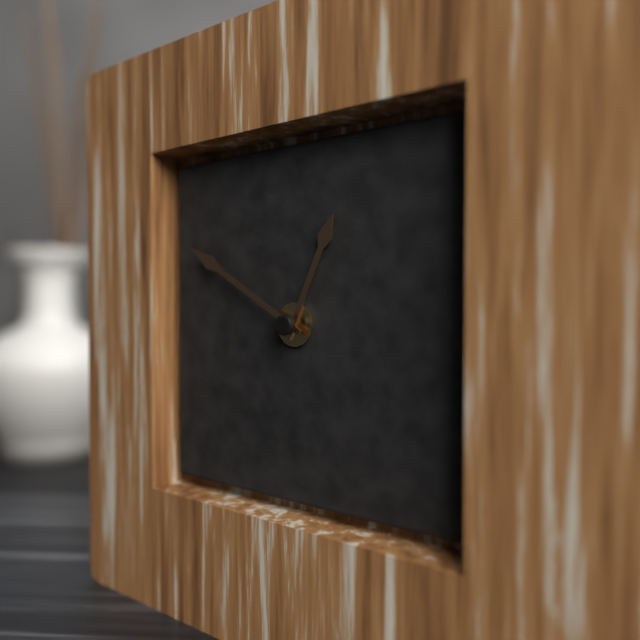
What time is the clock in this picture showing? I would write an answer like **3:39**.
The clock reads **12:50**
